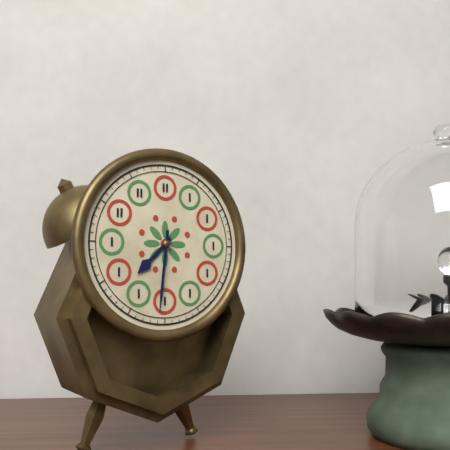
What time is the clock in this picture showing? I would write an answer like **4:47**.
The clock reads **7:31**
